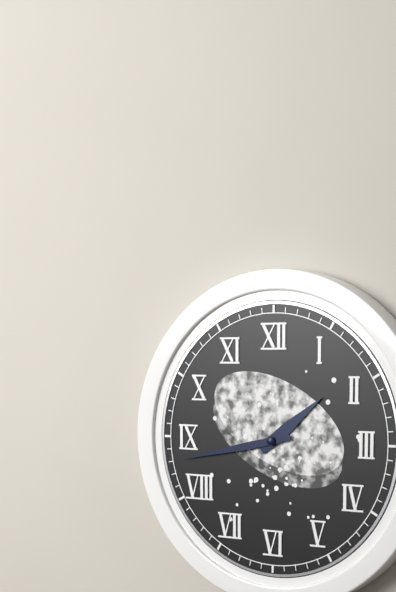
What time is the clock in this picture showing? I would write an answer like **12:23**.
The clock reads **1:43**
